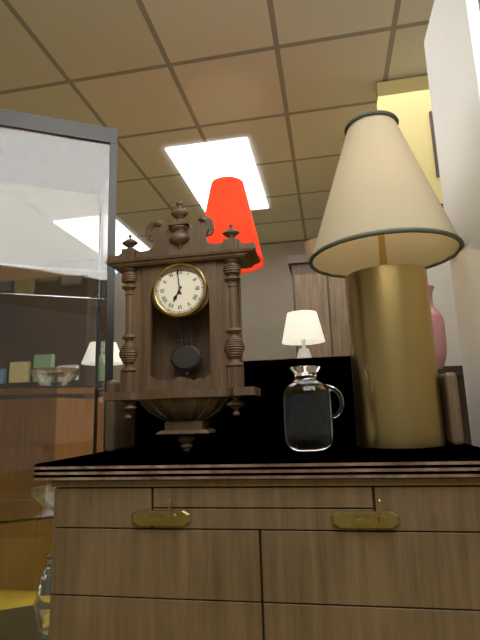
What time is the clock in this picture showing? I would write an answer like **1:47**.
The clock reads **6:59**
